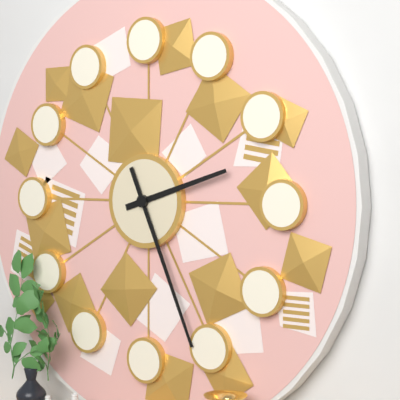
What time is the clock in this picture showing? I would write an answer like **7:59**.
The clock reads **2:26**
